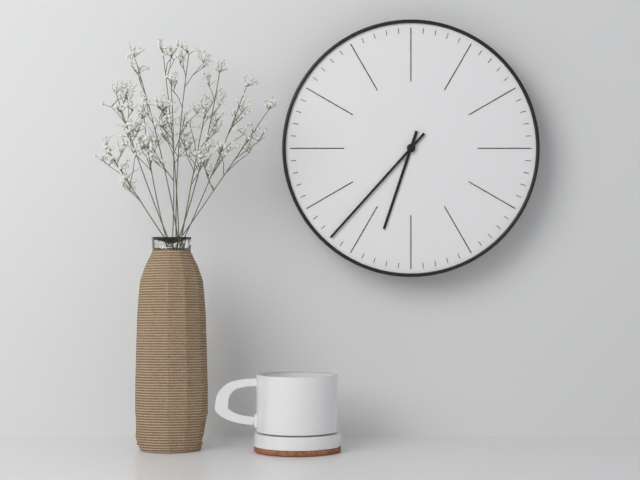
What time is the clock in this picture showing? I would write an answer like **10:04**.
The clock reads **6:37**
